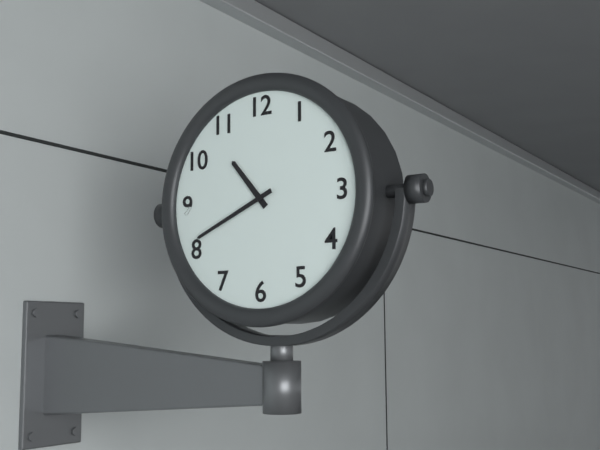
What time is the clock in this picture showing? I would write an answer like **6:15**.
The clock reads **10:41**
